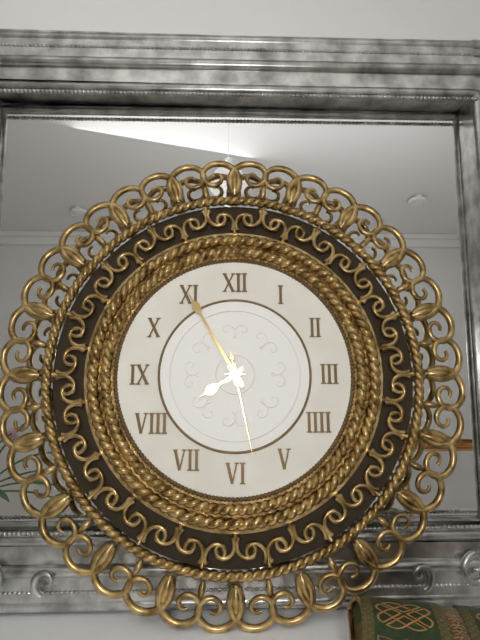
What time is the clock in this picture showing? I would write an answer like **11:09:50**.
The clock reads **7:55:28**
